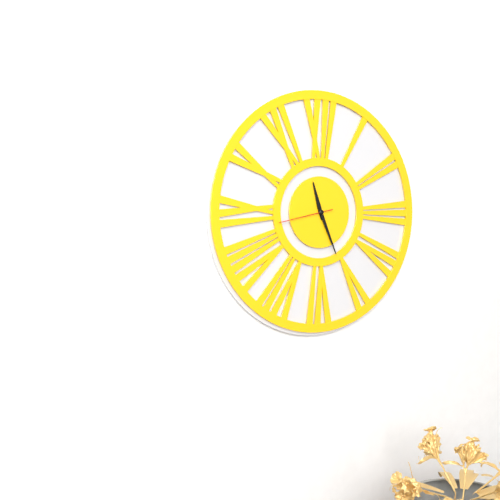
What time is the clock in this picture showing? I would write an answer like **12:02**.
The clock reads **11:26**
